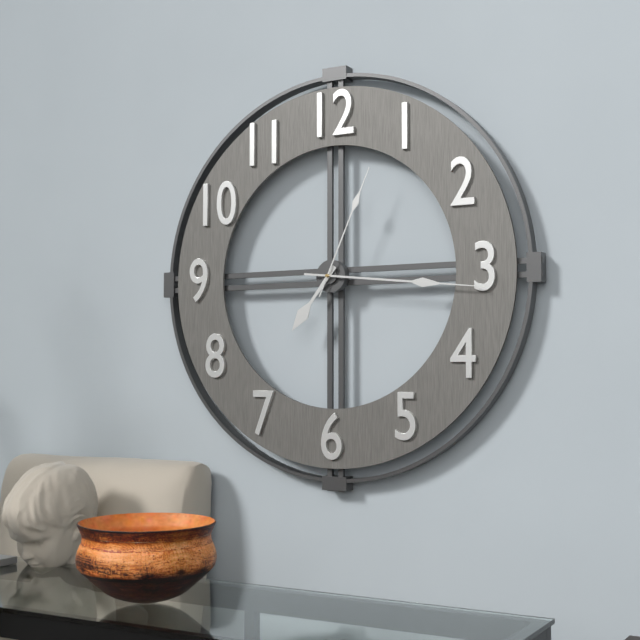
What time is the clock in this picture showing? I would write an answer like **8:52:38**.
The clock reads **7:16:04**
